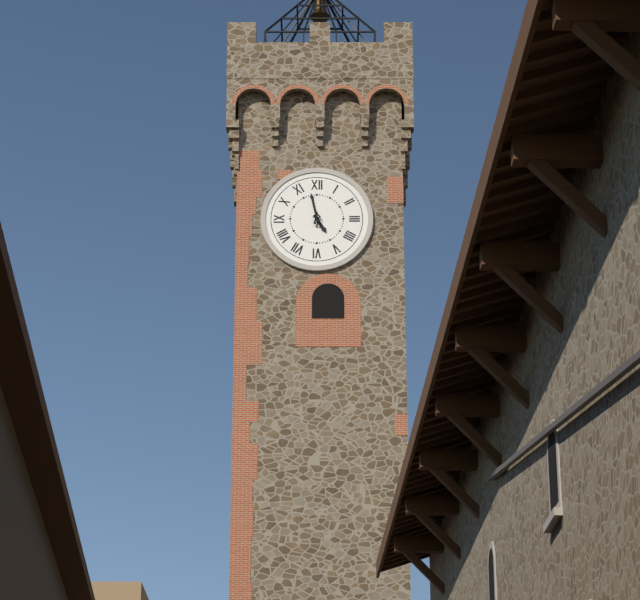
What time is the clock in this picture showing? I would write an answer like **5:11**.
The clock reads **4:58**
